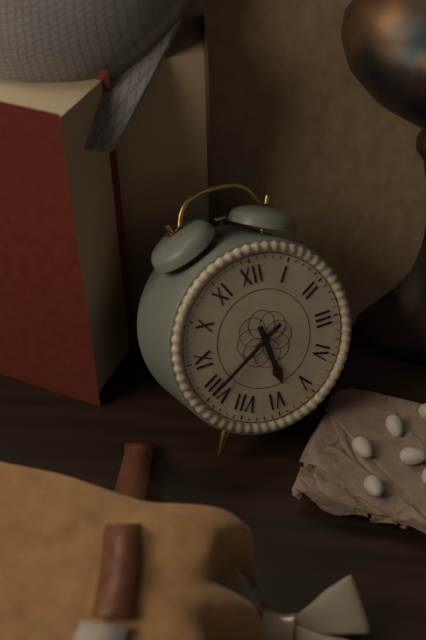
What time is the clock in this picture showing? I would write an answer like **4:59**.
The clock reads **5:40**
